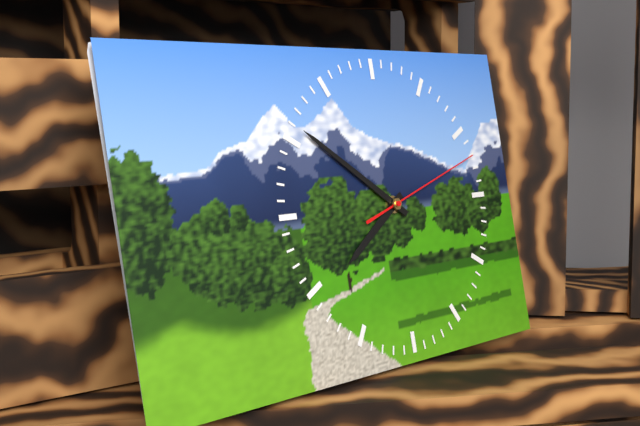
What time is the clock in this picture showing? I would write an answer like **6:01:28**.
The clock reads **7:51:12**
